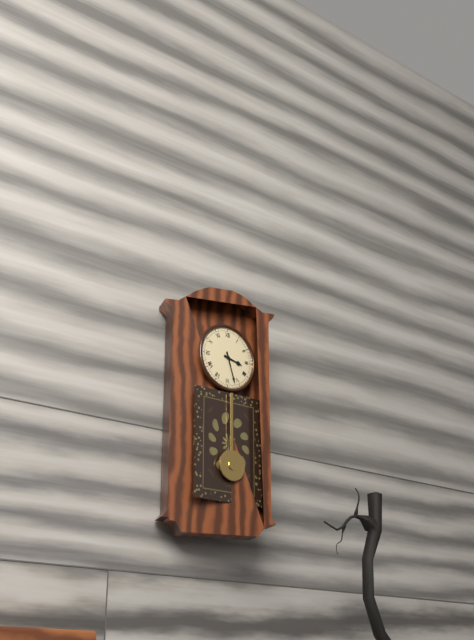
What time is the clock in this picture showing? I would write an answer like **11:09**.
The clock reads **3:27**
